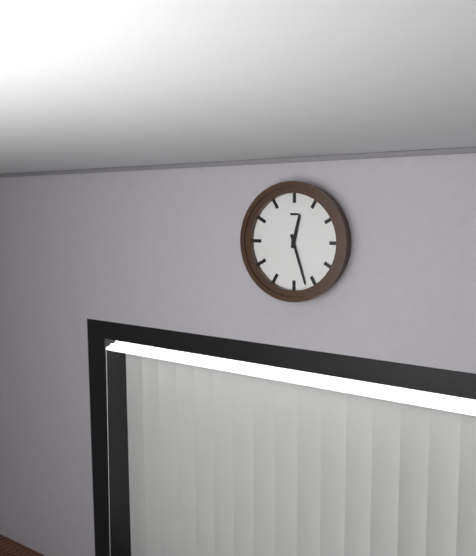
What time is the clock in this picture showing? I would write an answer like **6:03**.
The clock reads **12:27**
